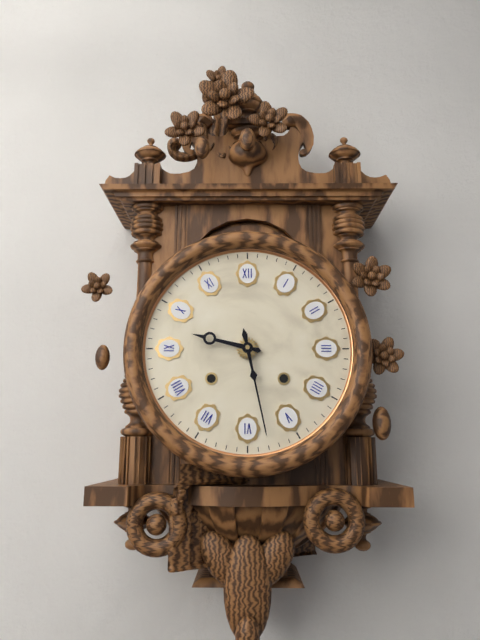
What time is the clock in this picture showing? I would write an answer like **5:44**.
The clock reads **9:28**
